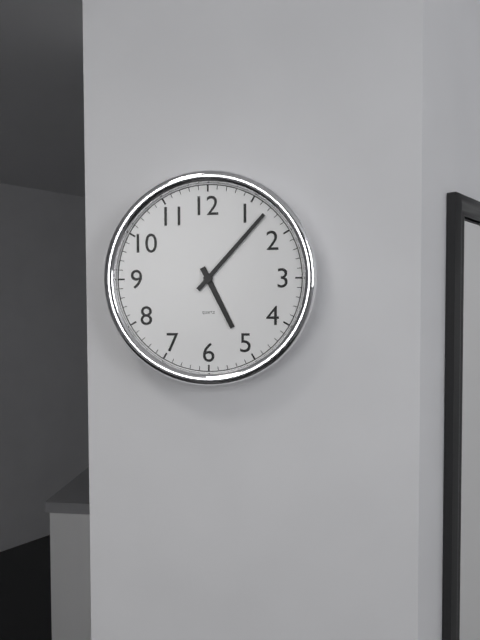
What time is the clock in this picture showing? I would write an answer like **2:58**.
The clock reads **5:07**
